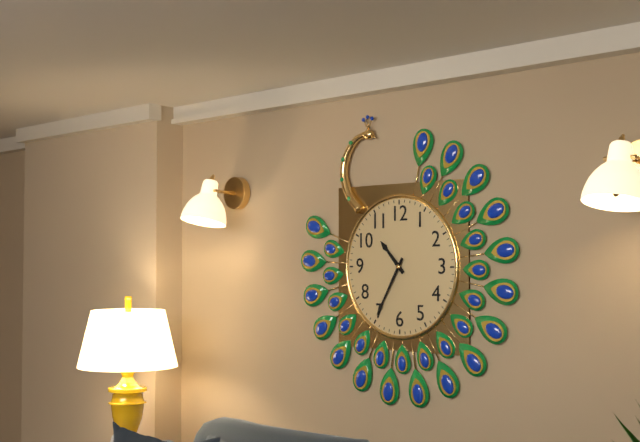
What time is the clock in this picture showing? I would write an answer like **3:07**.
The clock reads **10:35**
